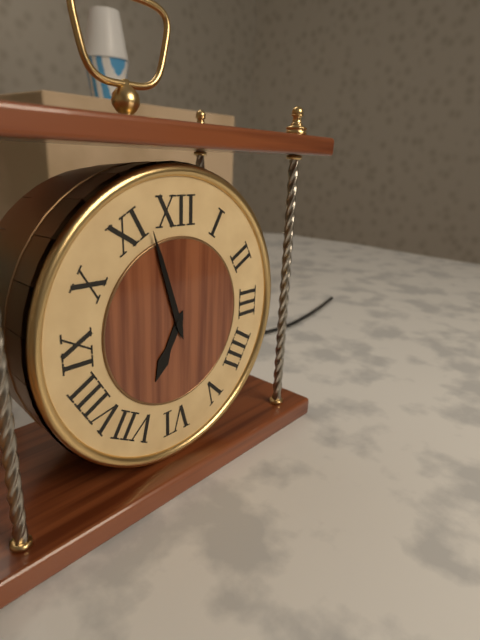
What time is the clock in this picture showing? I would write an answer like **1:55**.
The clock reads **6:57**
